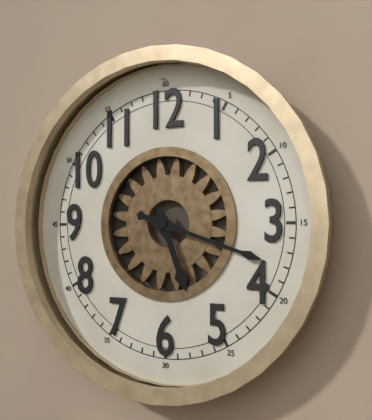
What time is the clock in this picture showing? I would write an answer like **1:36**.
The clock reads **5:18**
